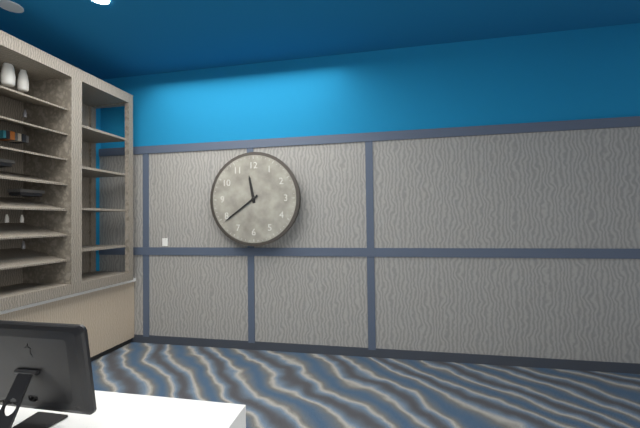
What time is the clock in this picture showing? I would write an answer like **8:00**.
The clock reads **11:39**
